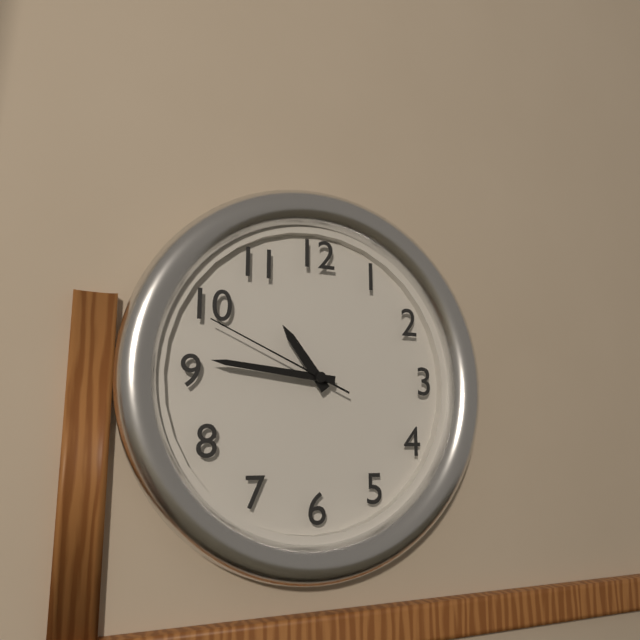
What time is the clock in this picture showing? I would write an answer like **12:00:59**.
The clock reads **10:46:49**
